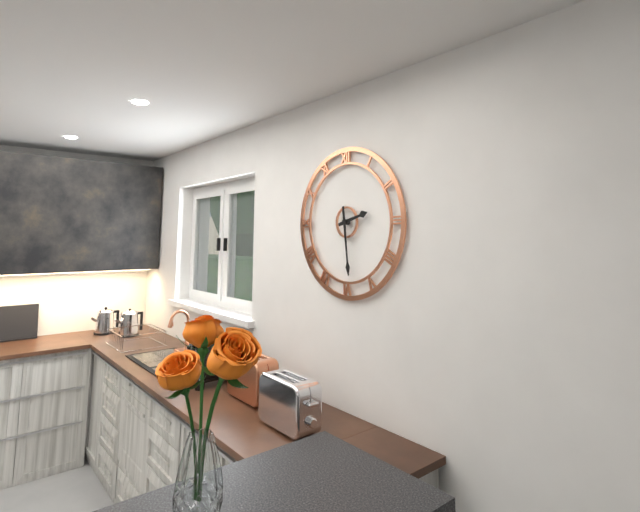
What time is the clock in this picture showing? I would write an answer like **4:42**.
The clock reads **2:29**
